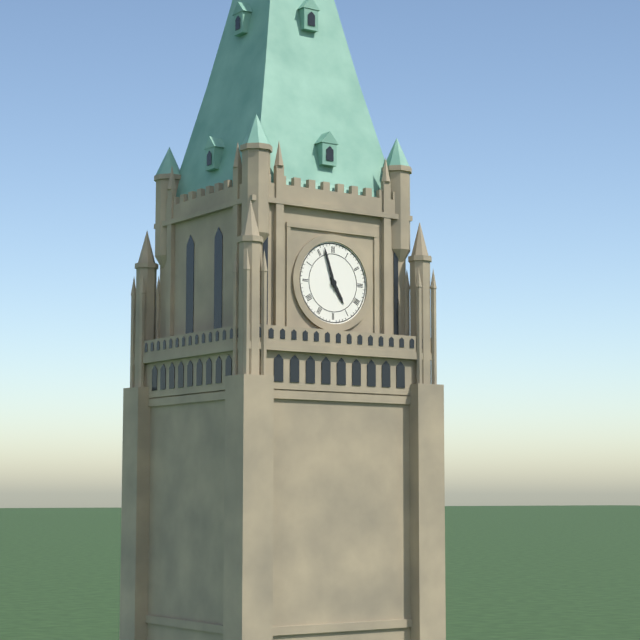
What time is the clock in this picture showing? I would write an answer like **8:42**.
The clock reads **4:57**
